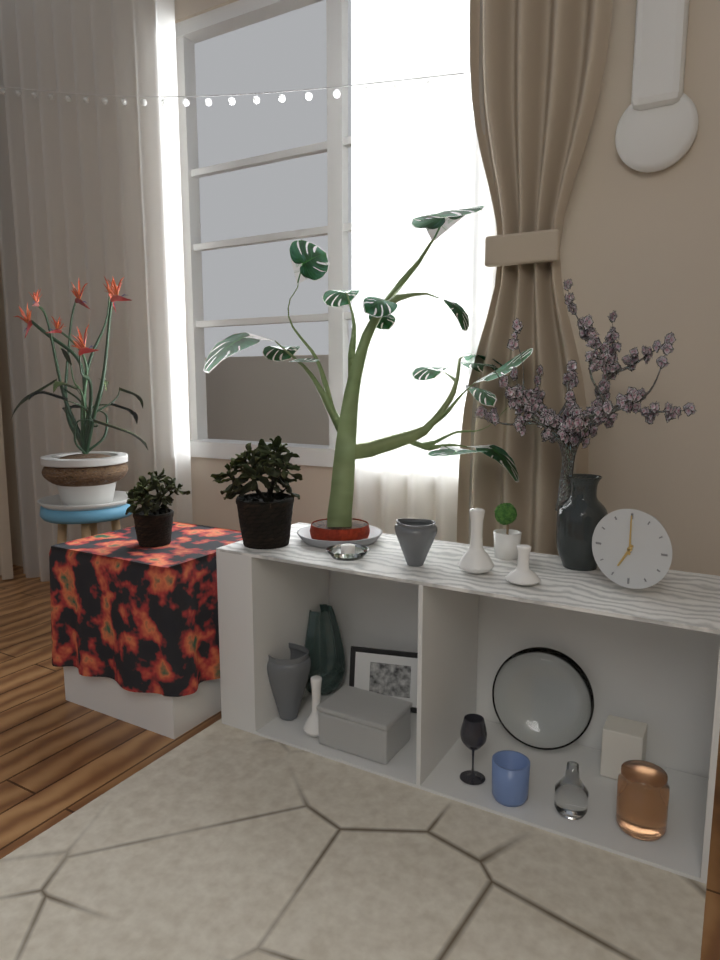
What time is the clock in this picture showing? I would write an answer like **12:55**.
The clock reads **7:00**
